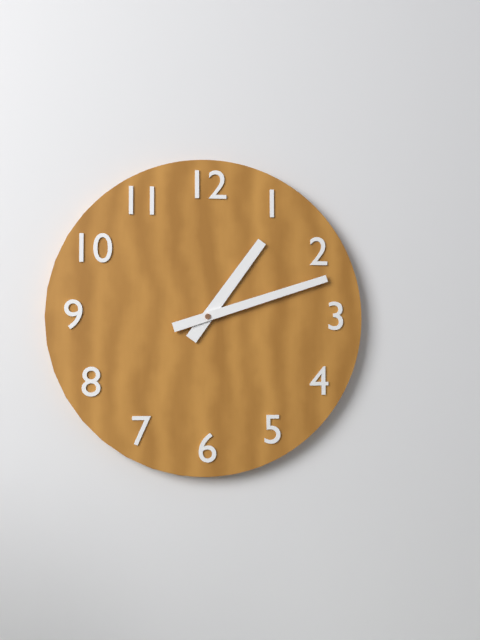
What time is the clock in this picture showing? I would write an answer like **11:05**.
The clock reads **1:12**
